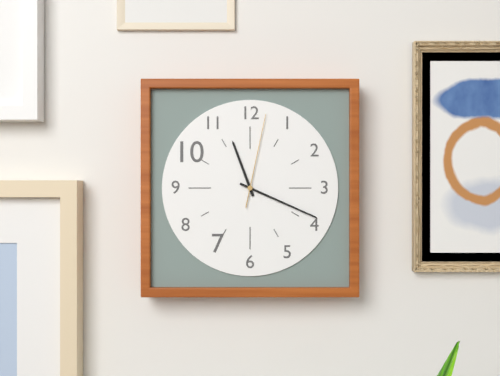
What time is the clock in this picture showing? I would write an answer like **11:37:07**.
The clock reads **11:19:02**
